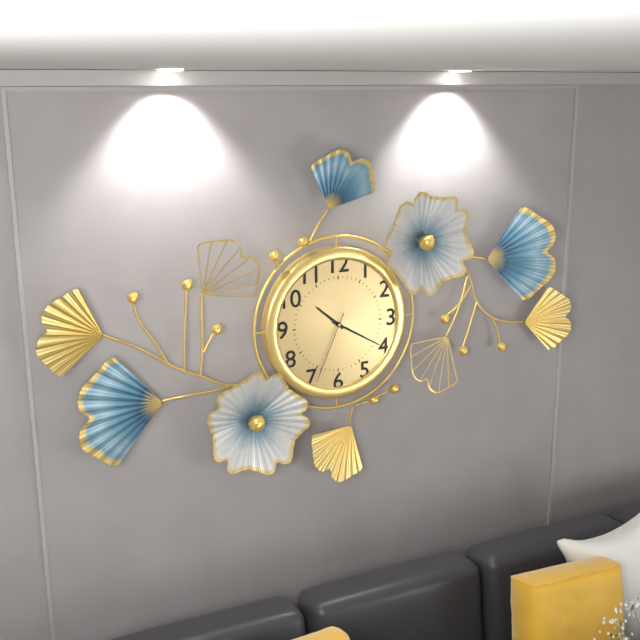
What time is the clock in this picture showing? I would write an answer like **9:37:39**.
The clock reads **10:20:34**
